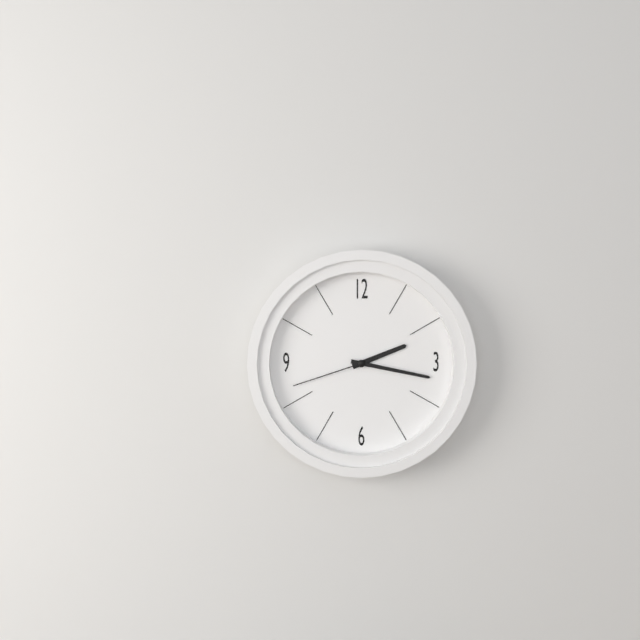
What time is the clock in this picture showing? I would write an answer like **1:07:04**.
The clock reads **2:17:42**
